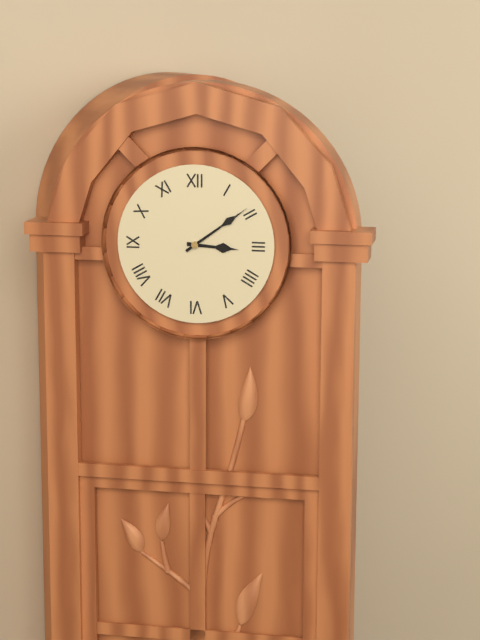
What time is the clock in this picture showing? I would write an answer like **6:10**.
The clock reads **3:09**
